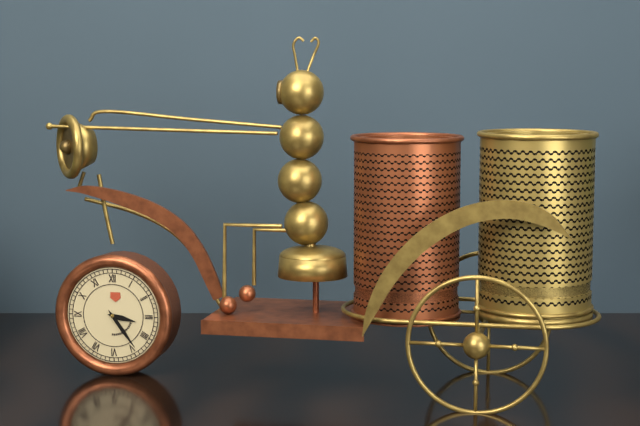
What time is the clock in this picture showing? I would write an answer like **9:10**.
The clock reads **3:24**
